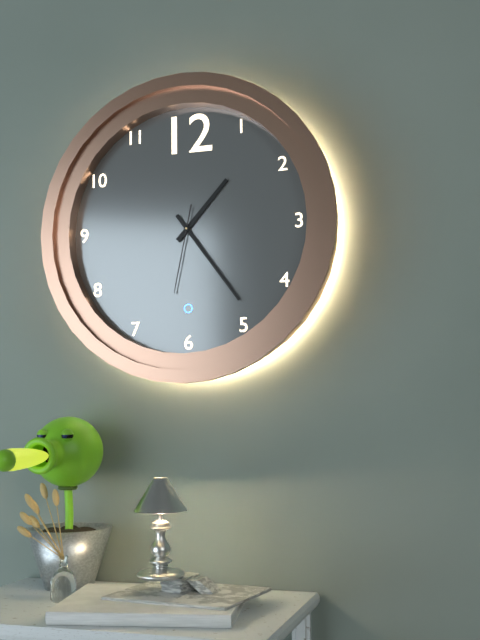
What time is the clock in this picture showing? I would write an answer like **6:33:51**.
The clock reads **1:24:32**
